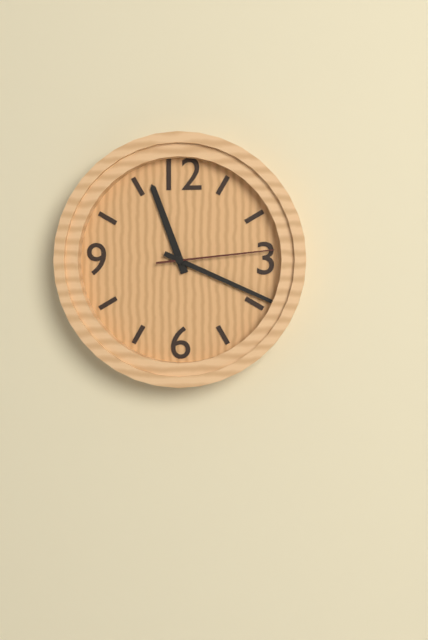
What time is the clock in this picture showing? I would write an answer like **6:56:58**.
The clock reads **11:19:14**
